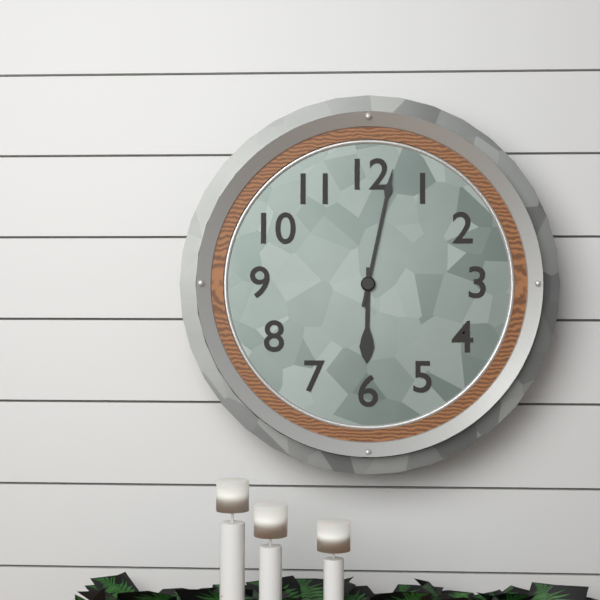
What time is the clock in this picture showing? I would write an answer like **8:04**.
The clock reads **6:02**
